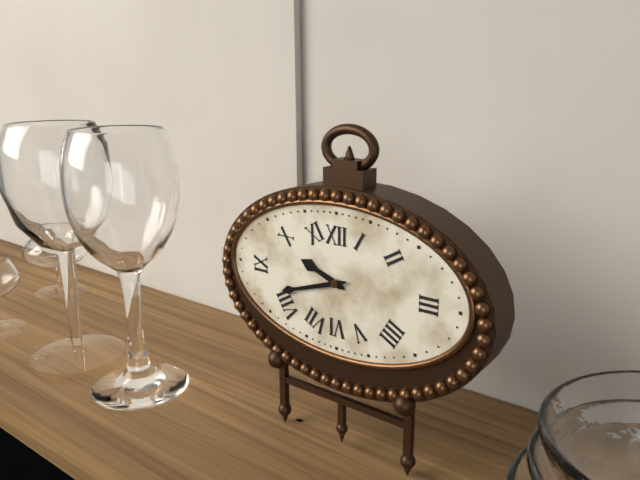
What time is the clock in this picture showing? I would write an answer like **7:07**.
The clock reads **9:42**
